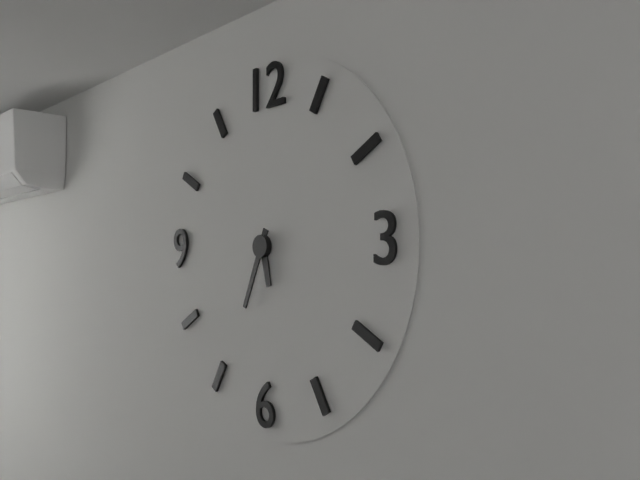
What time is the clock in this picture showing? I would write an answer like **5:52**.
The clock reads **5:34**
